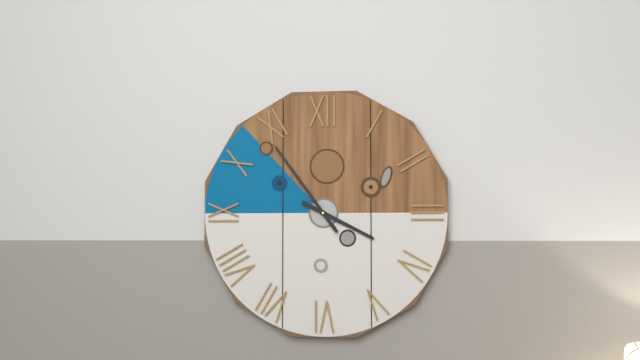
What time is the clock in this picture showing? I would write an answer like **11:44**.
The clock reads **3:54**
